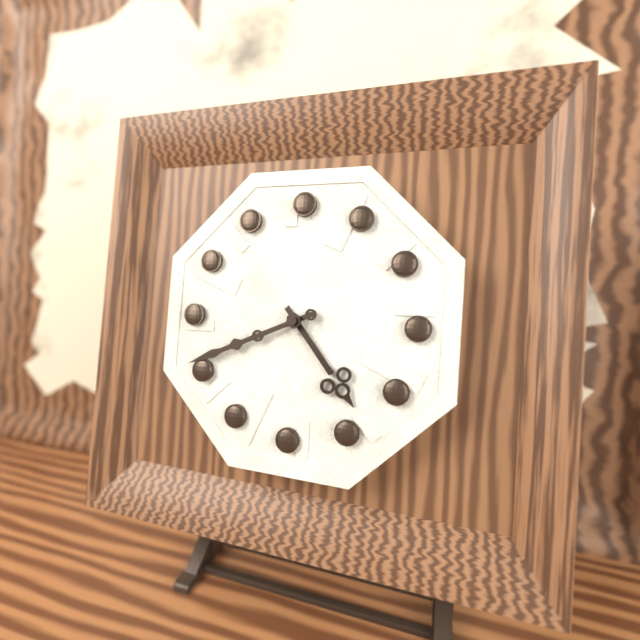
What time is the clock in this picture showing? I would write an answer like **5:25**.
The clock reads **4:41**
